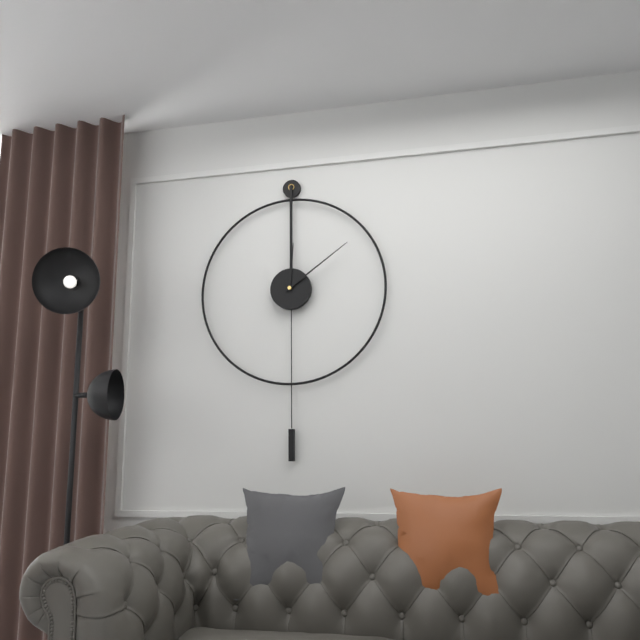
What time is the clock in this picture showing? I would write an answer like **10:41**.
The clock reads **12:09**
